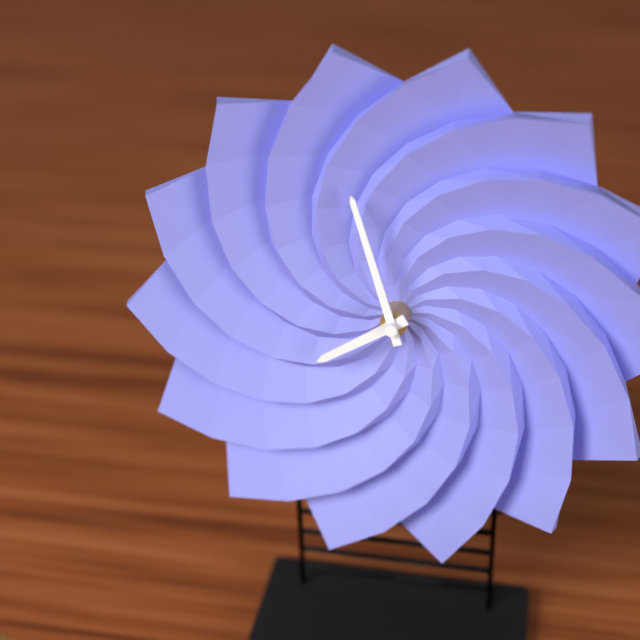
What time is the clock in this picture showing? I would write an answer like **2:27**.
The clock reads **7:57**
